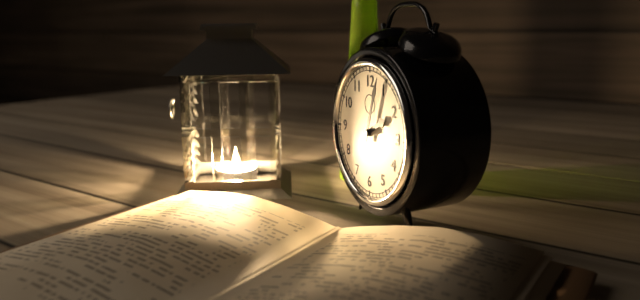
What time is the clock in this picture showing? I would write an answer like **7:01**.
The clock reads **2:03**
